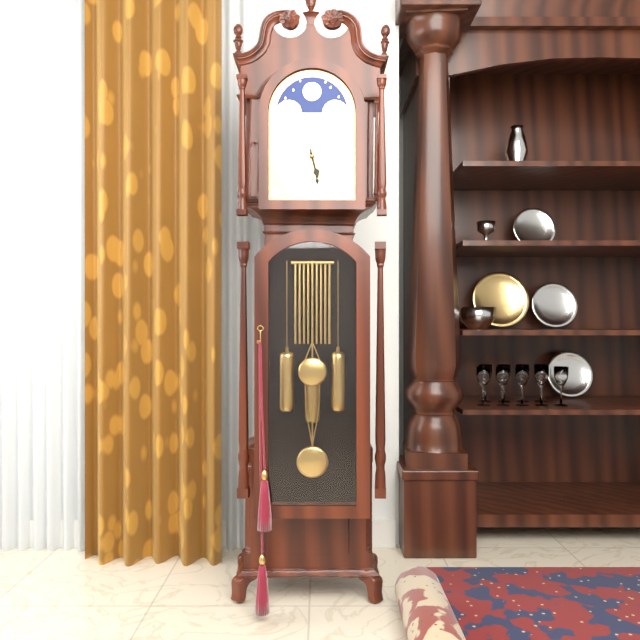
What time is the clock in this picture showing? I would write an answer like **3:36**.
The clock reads **5:28**
